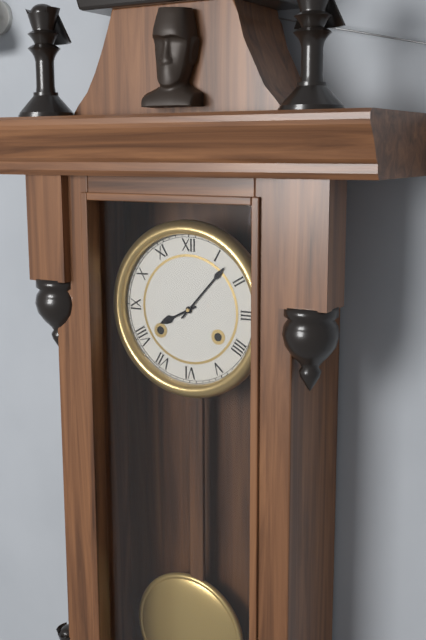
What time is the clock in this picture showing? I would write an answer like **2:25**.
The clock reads **8:07**
